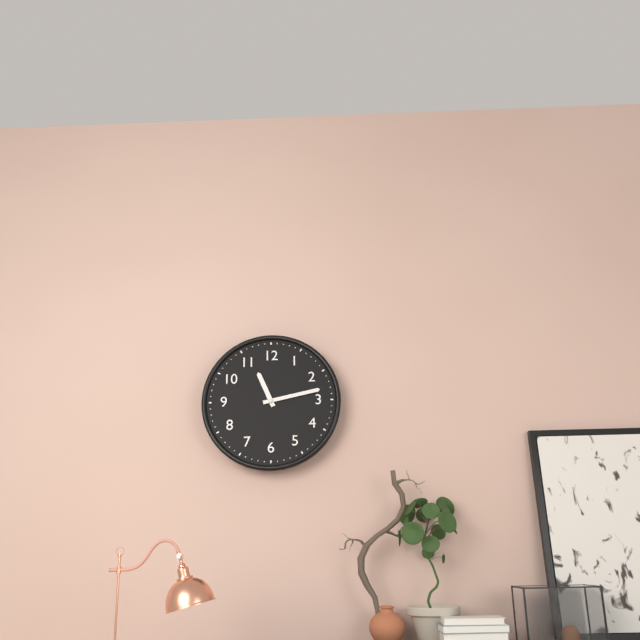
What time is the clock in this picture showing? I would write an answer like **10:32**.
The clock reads **11:13**
